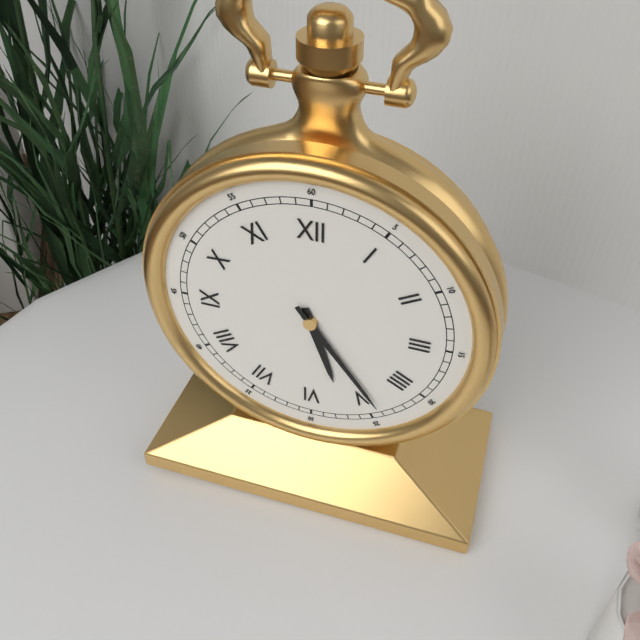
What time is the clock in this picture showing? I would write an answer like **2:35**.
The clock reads **5:24**
